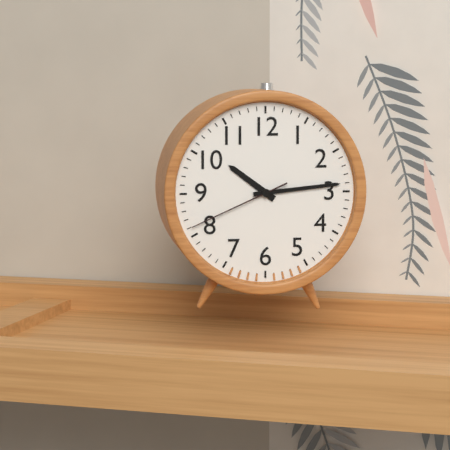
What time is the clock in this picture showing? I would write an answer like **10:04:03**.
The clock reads **10:14:41**
